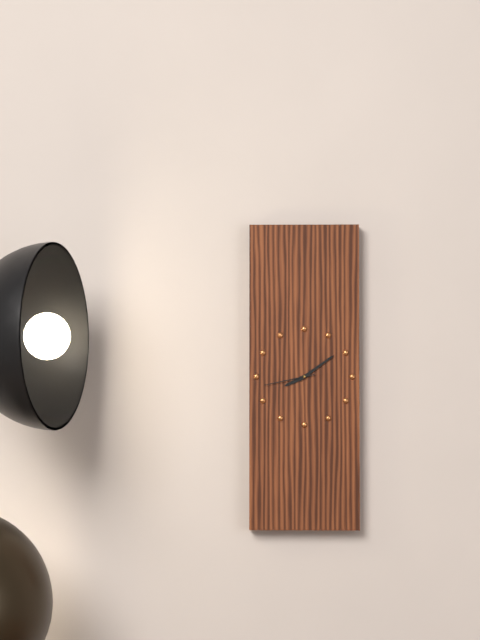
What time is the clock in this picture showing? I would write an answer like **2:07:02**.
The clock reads **8:09:43**
